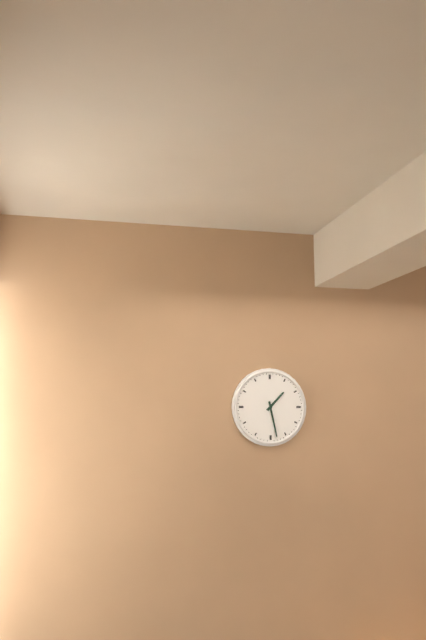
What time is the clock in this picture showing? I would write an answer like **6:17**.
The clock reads **1:28**
